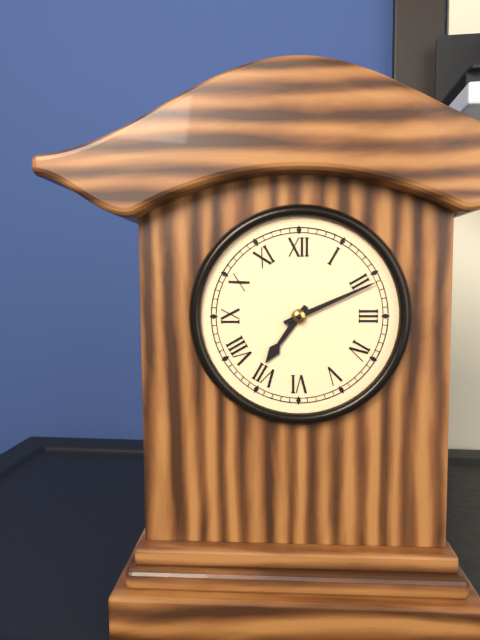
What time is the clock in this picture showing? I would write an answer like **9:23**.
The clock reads **7:11**
